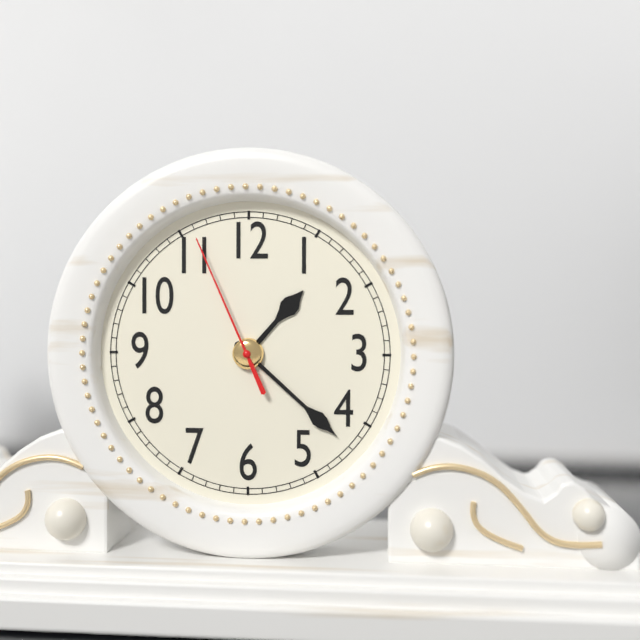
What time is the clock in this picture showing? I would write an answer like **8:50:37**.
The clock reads **1:22:56**
